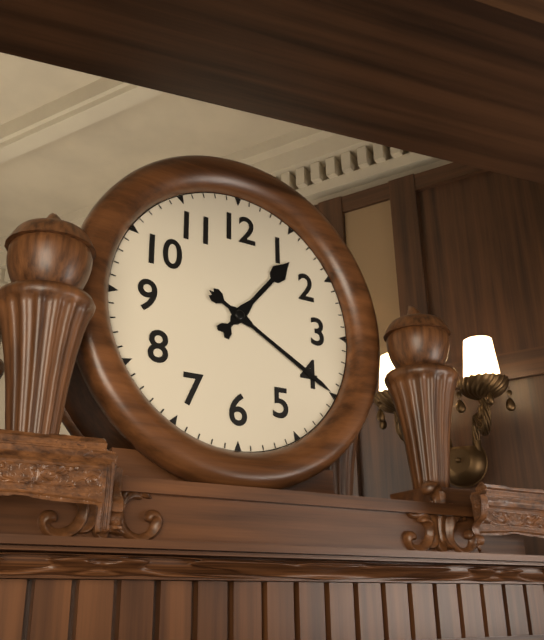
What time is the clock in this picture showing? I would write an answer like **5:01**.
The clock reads **1:20**
